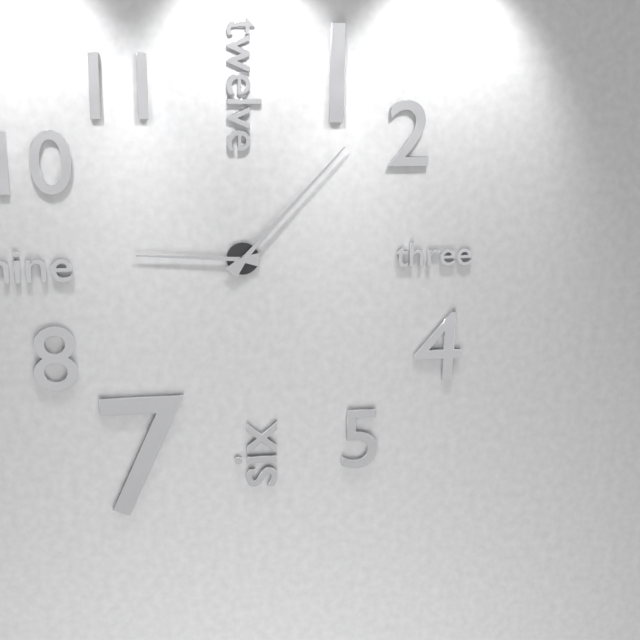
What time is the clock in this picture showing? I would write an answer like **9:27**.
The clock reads **9:07**
